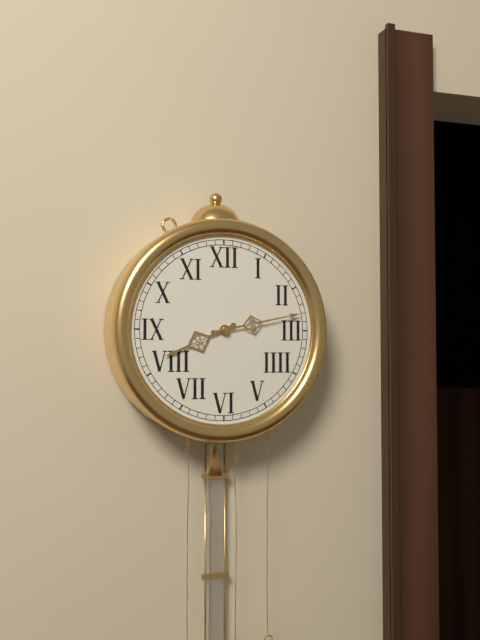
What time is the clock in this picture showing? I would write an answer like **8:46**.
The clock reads **8:13**
